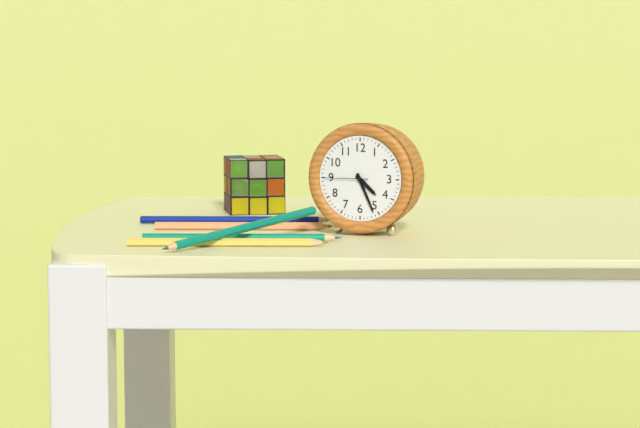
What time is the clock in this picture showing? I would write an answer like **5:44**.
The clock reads **4:26**
